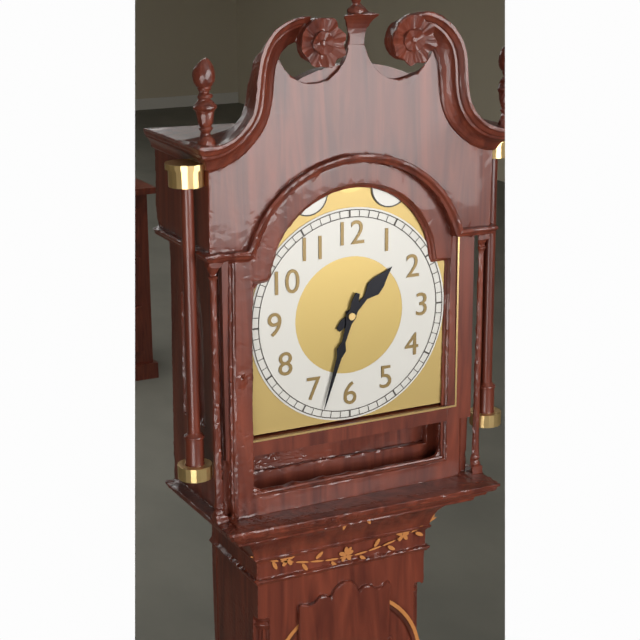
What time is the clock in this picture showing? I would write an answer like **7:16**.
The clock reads **1:33**
